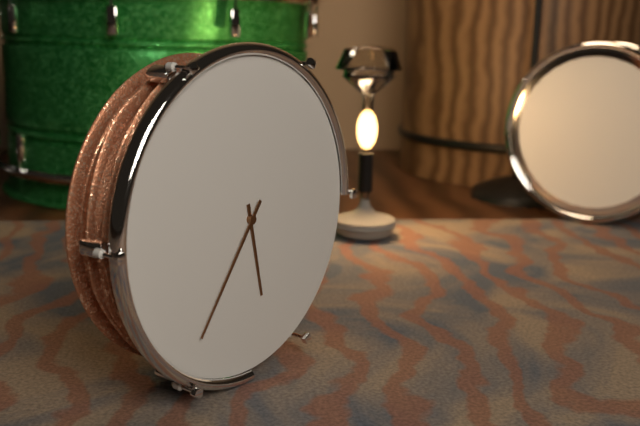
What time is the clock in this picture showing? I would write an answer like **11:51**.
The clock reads **5:36**
